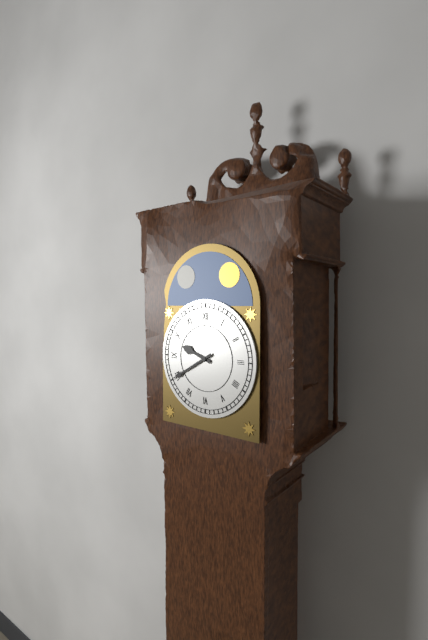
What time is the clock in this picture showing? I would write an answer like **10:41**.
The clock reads **9:40**
